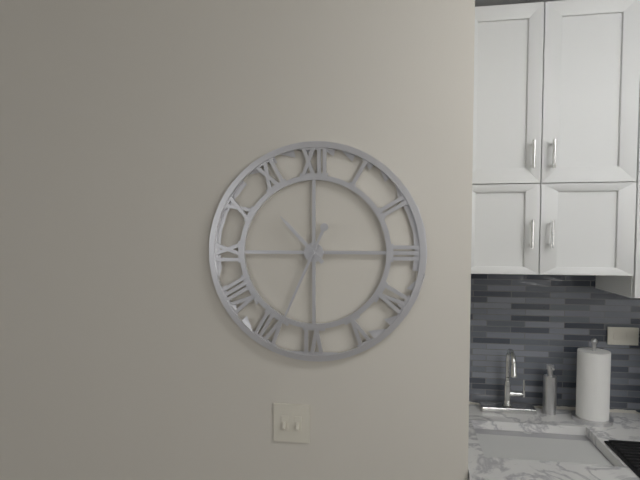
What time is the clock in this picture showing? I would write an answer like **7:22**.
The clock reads **10:34**
